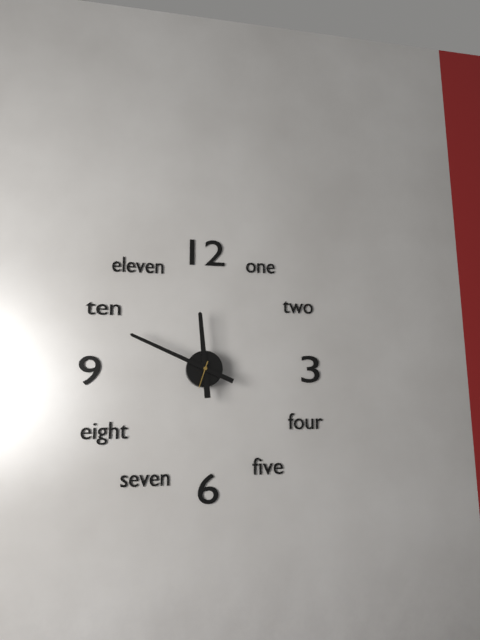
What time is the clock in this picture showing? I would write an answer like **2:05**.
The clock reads **11:49**
